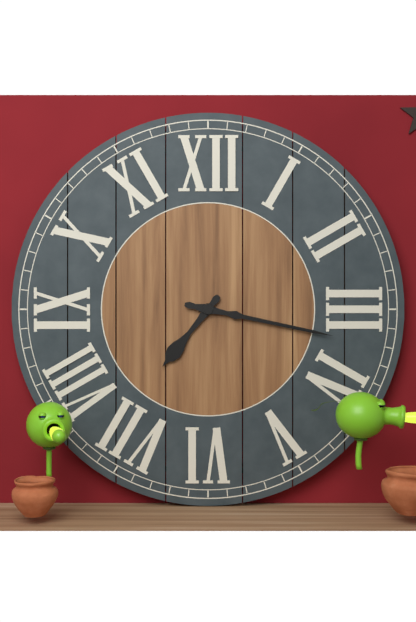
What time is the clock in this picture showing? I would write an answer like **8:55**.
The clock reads **7:17**
